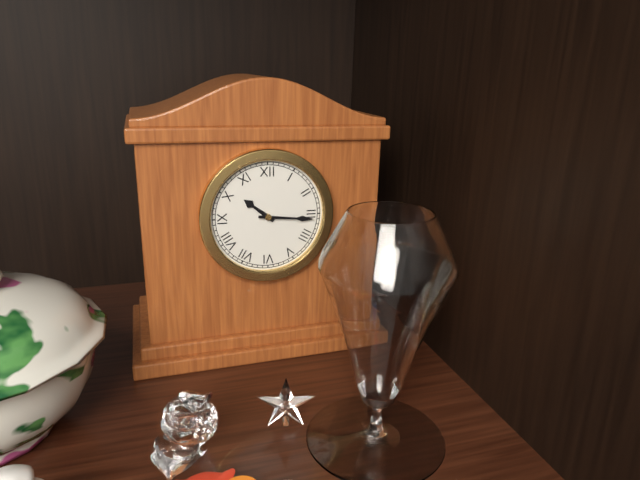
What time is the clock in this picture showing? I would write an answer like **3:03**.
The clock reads **10:16**
